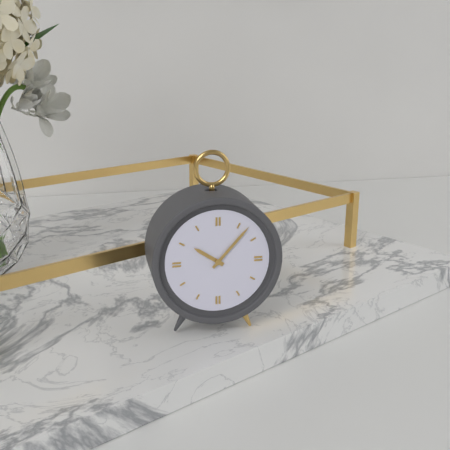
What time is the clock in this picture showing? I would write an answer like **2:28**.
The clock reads **10:07**
